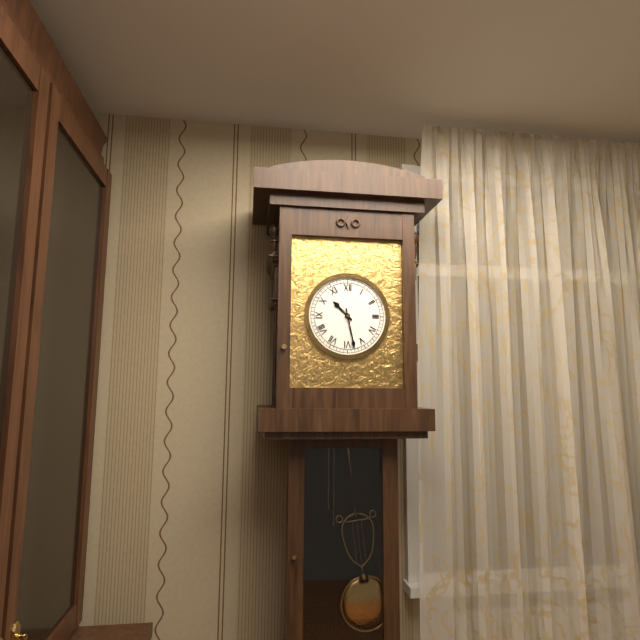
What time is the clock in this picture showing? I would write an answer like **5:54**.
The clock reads **10:28**
